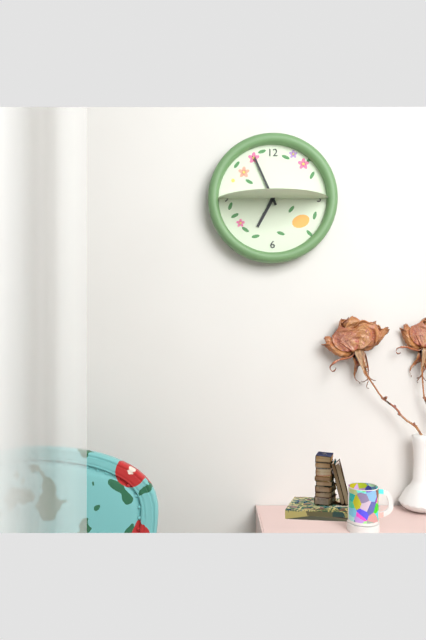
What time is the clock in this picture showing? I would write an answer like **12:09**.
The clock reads **6:56**
